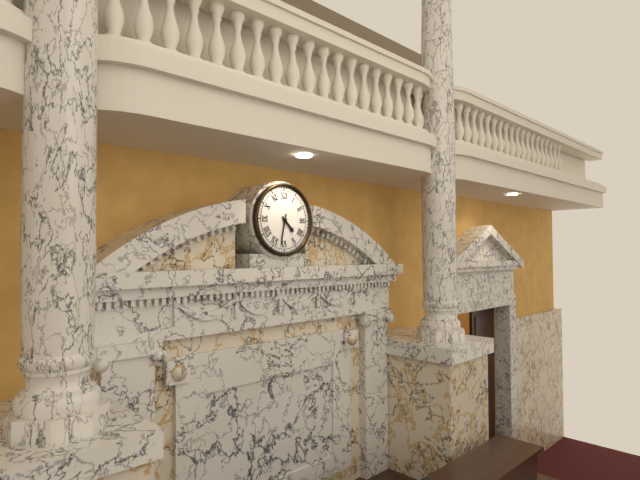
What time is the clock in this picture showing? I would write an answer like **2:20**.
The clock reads **4:32**
